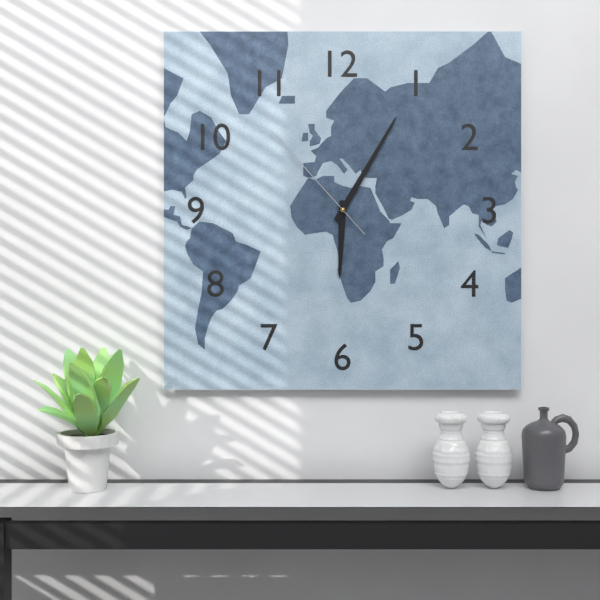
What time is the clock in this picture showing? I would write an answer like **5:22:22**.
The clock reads **6:05:53**
